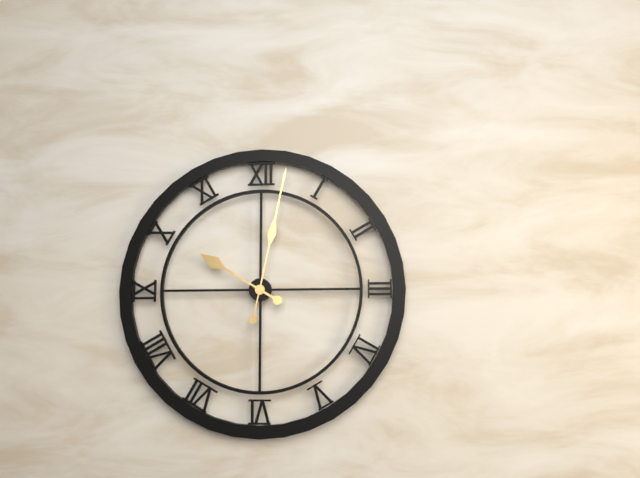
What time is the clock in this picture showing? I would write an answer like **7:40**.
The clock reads **10:02**
